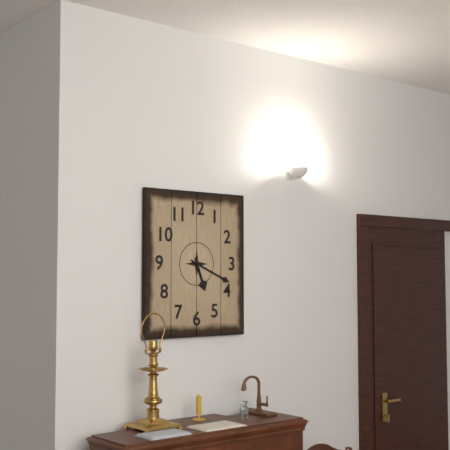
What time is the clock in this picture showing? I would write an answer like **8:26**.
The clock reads **5:19**
